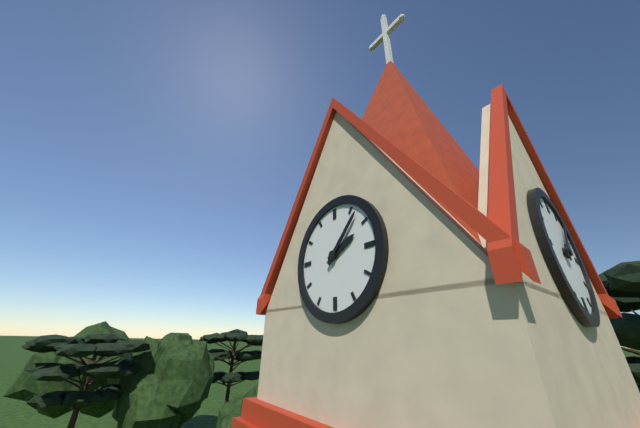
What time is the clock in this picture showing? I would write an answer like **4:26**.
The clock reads **2:07**
